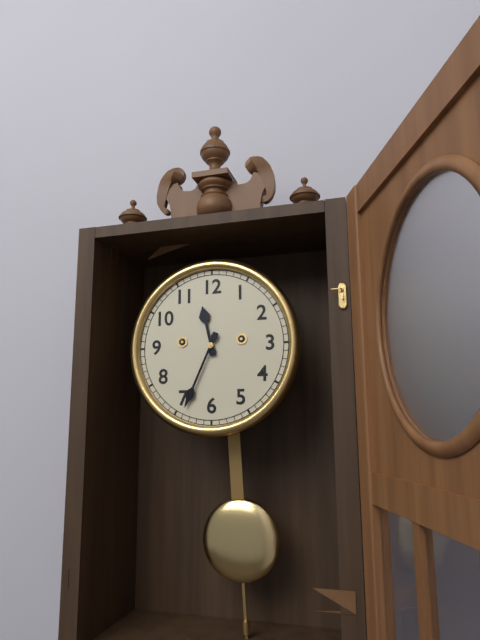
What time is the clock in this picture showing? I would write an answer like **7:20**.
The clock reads **11:34**
